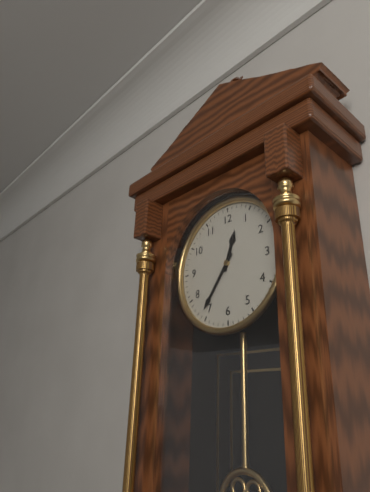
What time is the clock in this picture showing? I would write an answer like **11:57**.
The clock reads **12:36**
